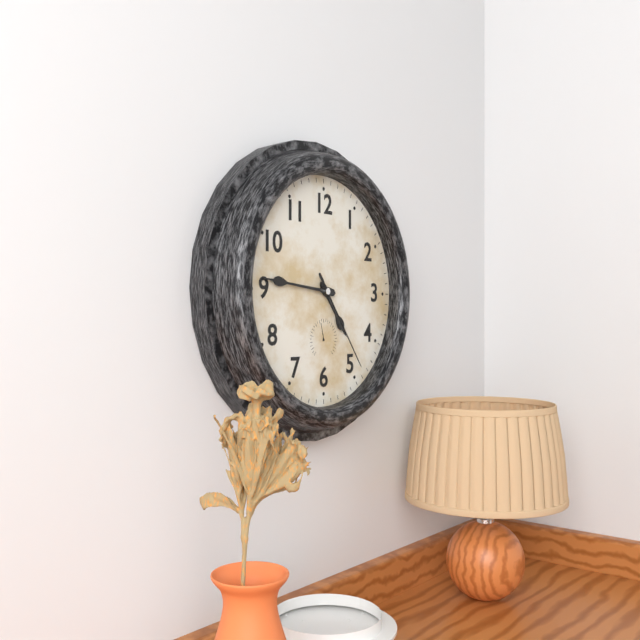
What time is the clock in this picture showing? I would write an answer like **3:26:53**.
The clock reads **4:46:24**
